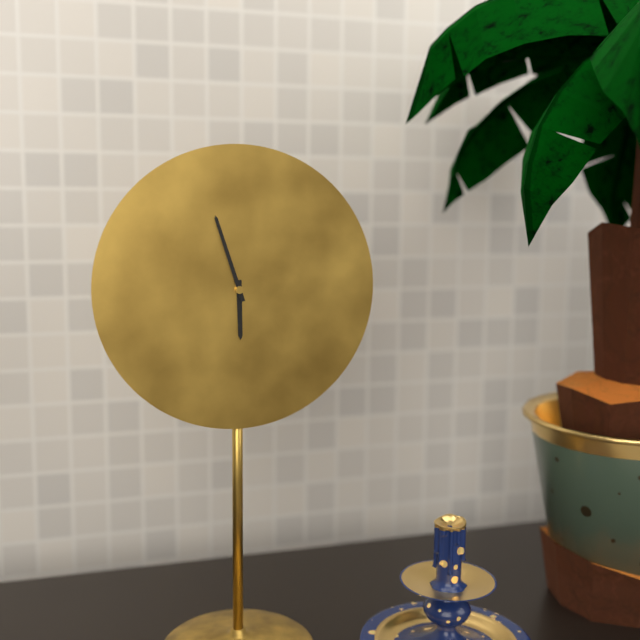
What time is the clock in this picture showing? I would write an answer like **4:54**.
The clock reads **5:57**
